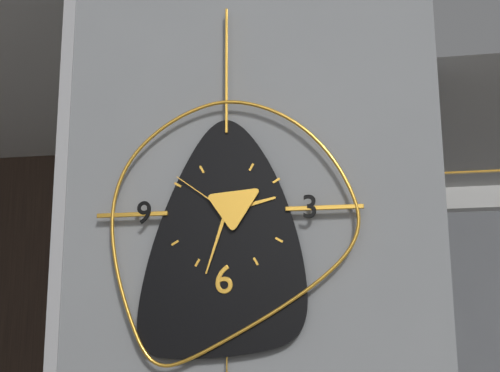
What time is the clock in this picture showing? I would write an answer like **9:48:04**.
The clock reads **2:33:51**
